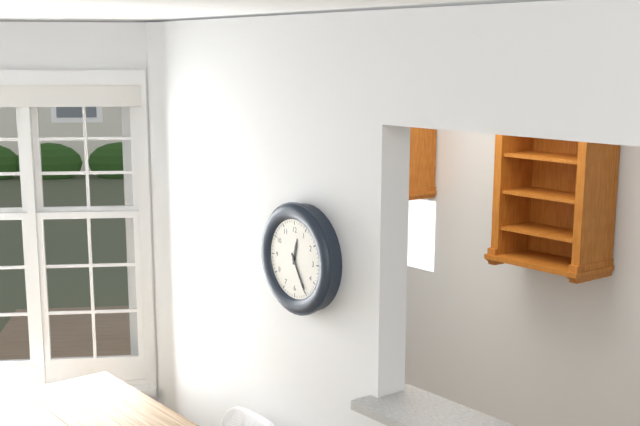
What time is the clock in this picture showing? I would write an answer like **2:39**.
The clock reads **12:25**
